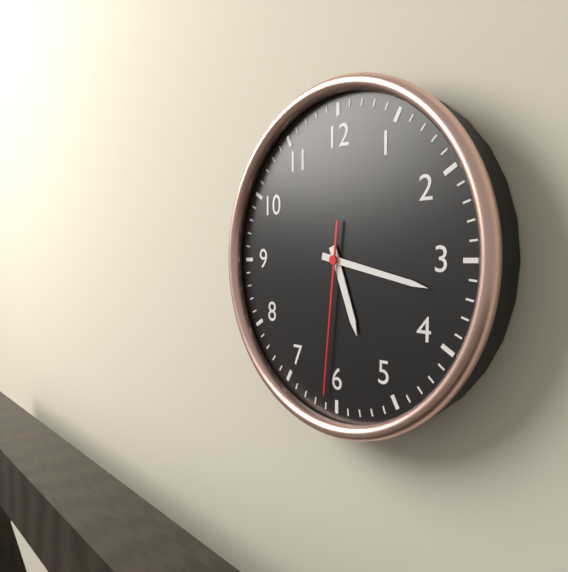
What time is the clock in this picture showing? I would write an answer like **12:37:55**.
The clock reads **5:17:31**
